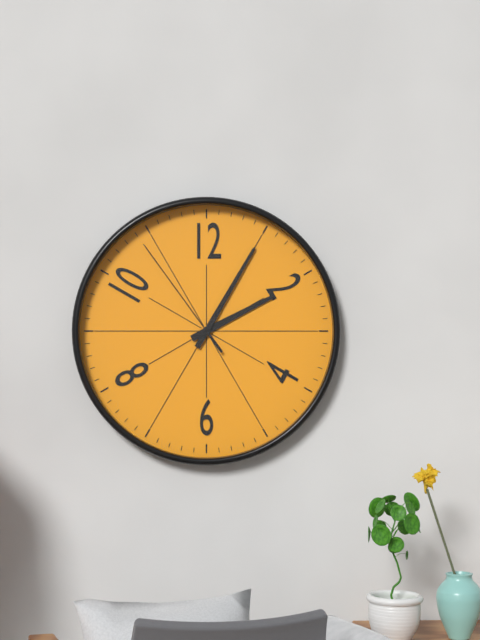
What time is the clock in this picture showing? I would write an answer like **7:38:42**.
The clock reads **2:05:54**
